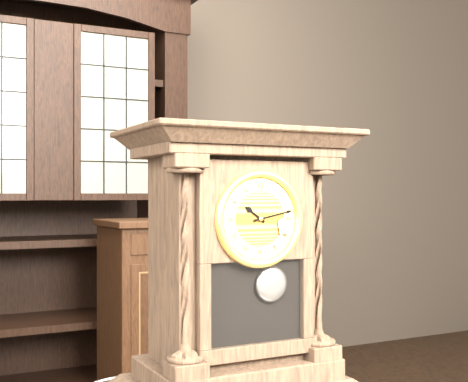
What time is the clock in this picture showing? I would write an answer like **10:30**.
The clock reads **10:13**
